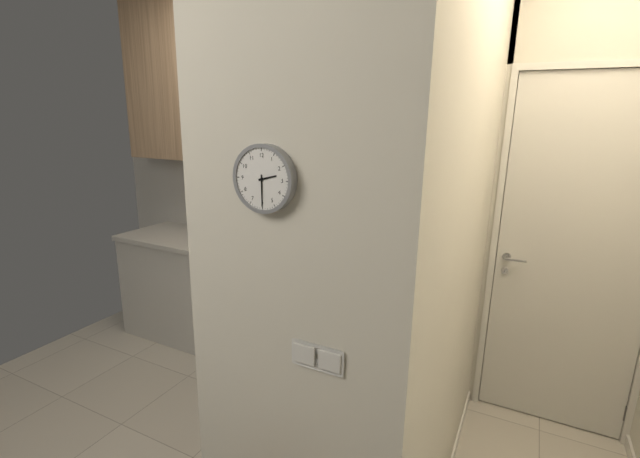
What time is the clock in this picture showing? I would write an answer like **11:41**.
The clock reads **2:30**
